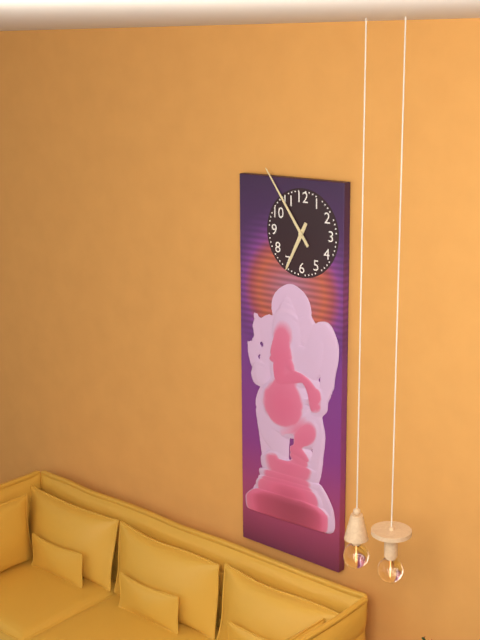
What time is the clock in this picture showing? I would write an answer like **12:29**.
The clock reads **6:54**
